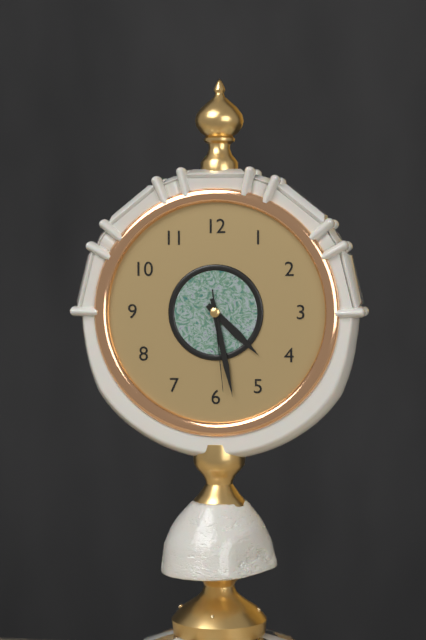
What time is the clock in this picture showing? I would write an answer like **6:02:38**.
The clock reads **4:28:29**
